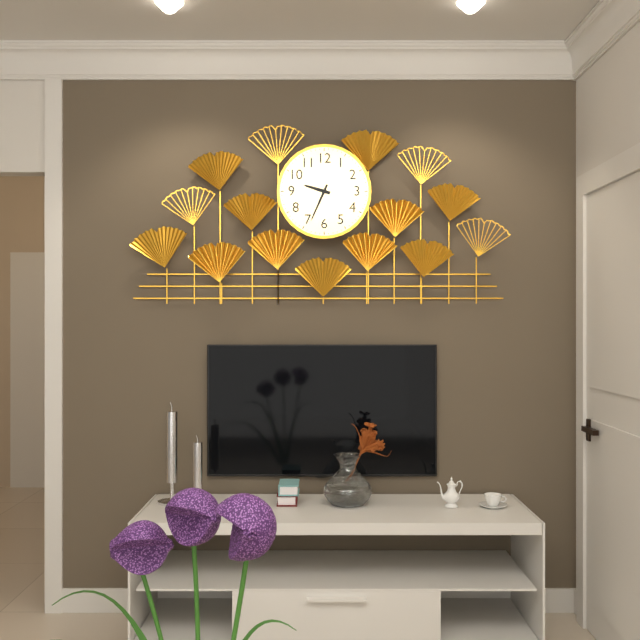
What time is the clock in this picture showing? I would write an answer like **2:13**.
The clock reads **9:34**
